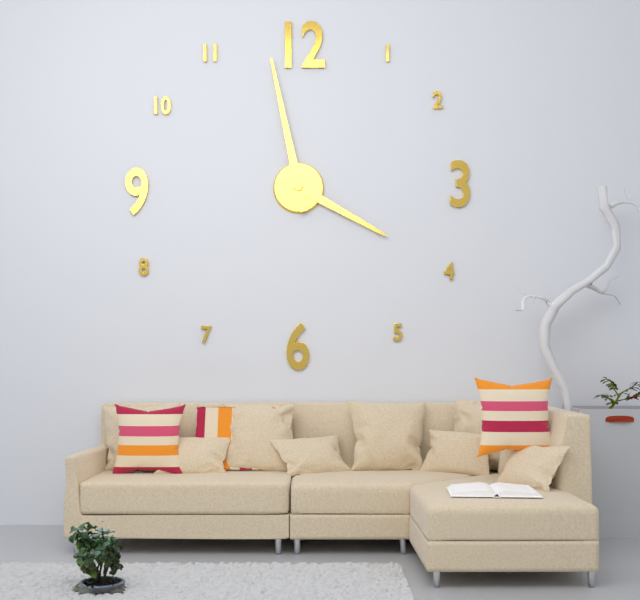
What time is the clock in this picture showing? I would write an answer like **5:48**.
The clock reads **3:58**
